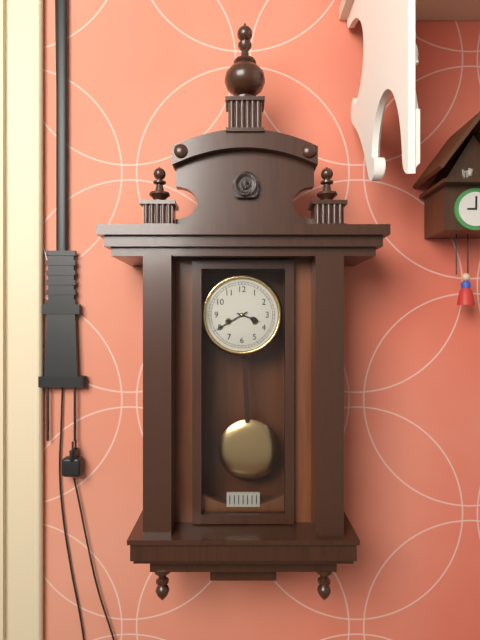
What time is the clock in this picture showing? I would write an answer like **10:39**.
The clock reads **3:40**
